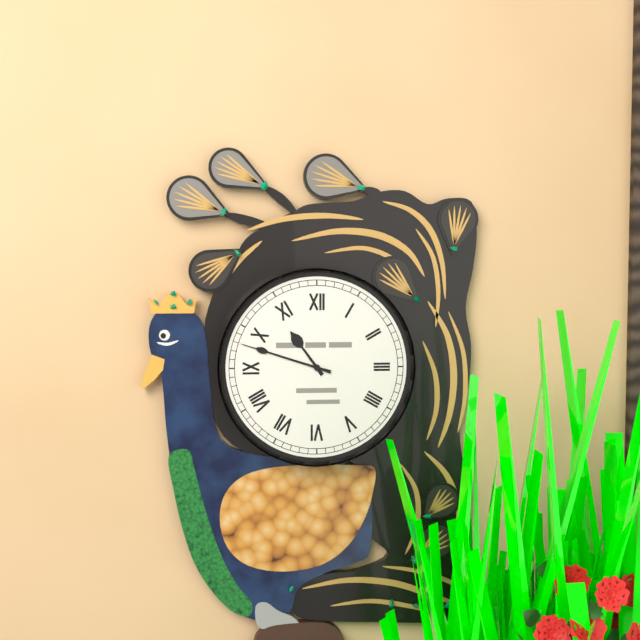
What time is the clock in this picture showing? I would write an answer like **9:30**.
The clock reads **10:48**
